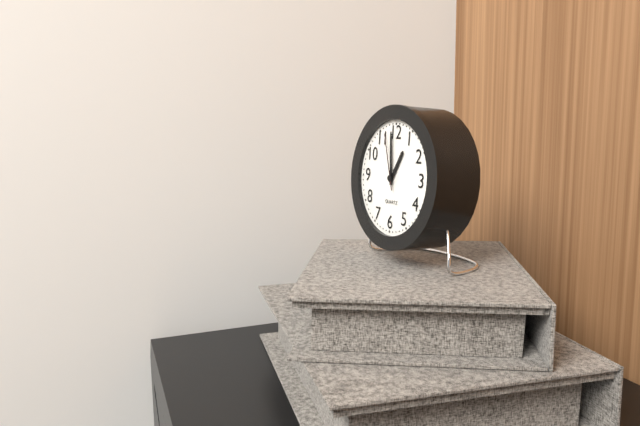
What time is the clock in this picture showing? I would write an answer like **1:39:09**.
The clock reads **12:59:57**
